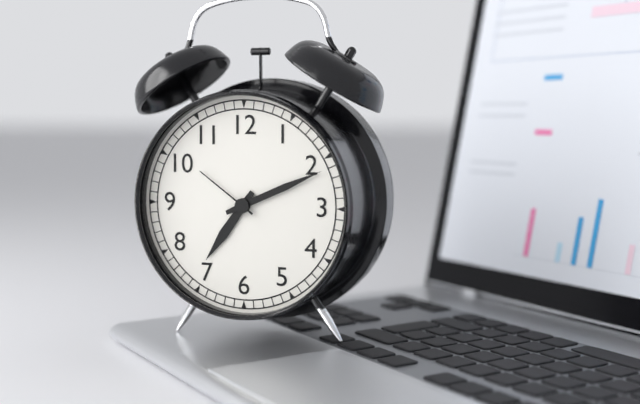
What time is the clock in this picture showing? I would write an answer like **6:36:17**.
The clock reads **7:11:51**
